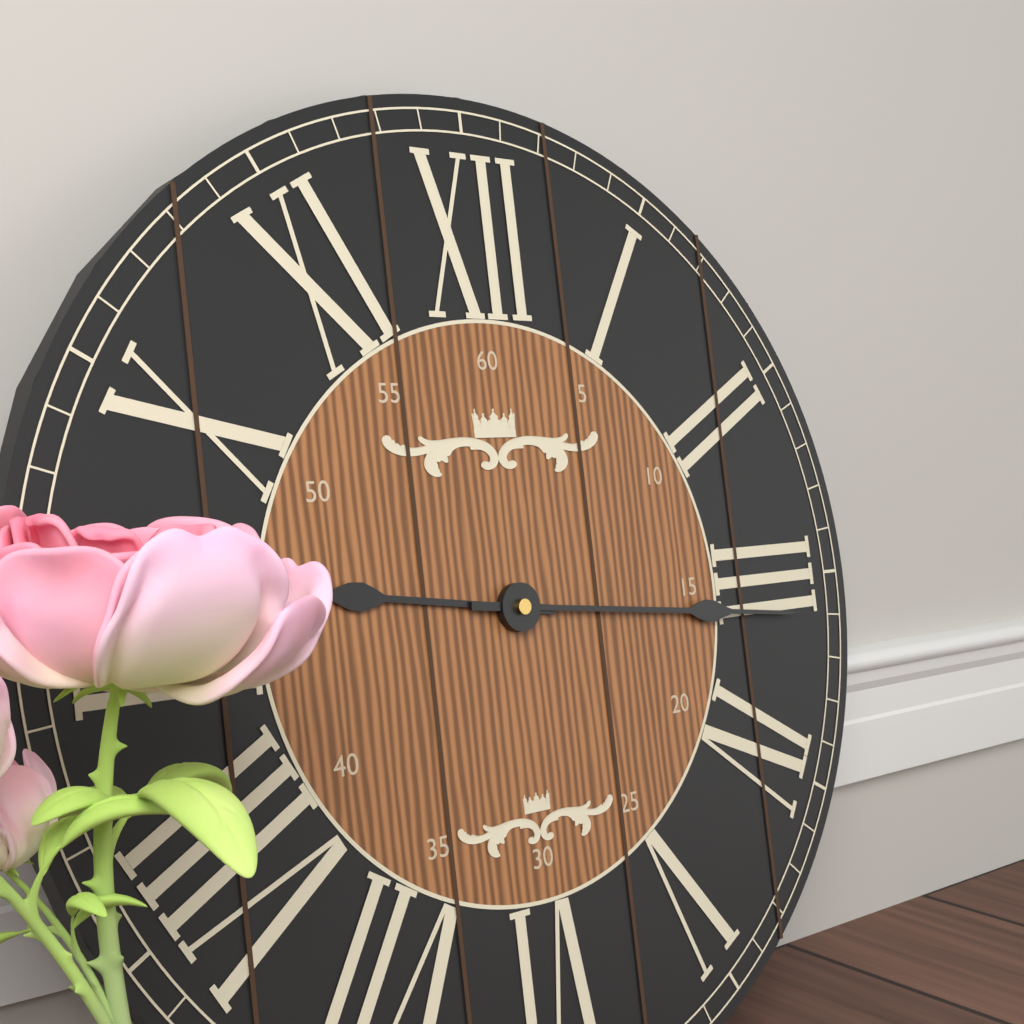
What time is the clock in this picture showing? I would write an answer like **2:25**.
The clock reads **9:16**
